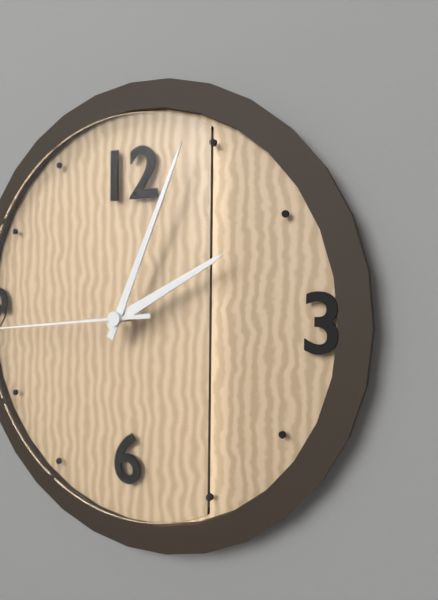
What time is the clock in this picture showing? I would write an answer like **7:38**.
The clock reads **2:04**
